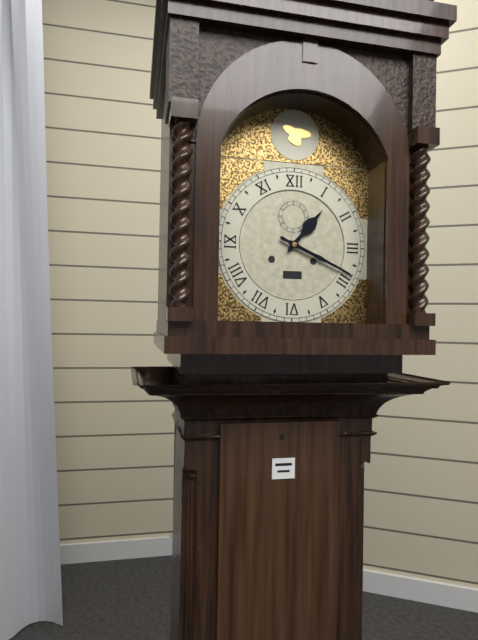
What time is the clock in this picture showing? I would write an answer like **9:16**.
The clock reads **1:19**
